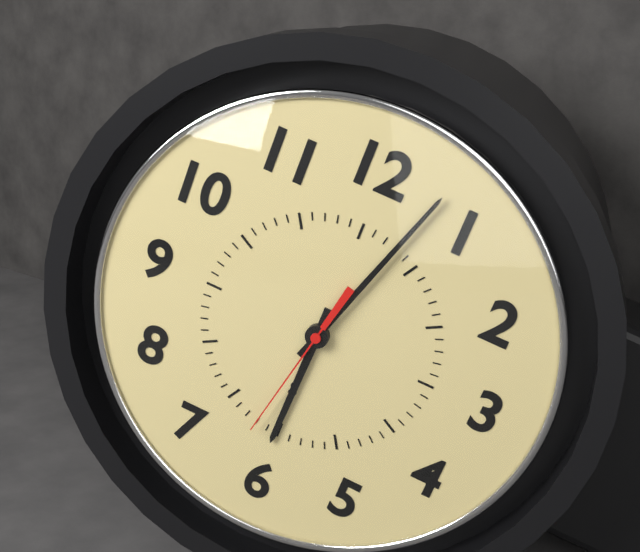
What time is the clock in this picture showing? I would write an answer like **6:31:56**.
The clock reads **6:03:32**
